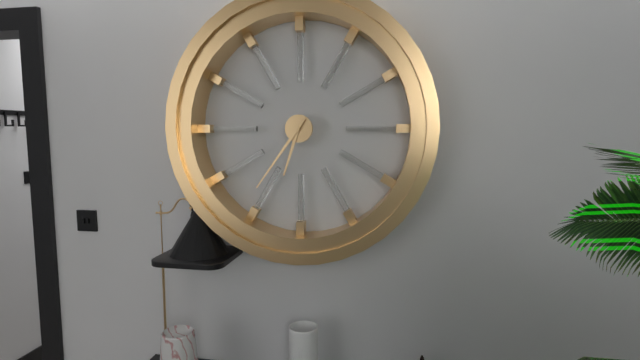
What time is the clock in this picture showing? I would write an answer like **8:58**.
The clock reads **6:36**
